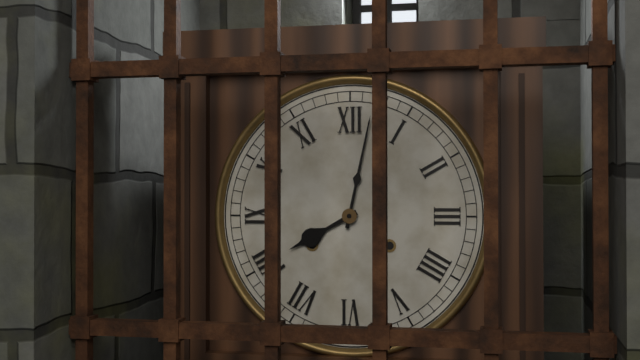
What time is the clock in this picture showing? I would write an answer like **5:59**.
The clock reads **8:02**
